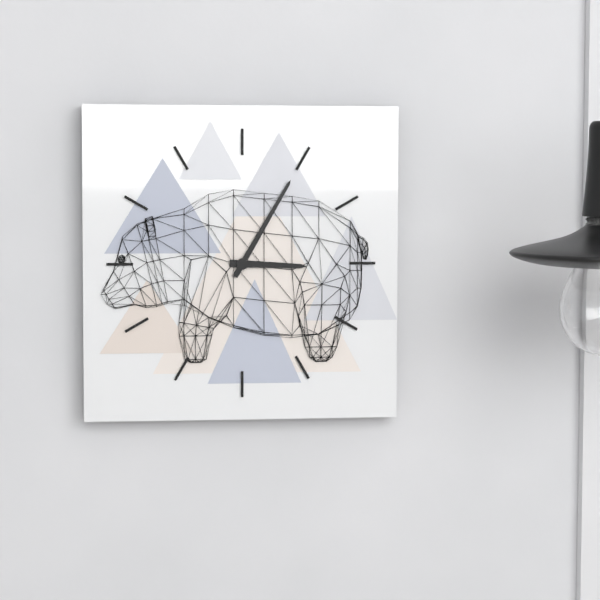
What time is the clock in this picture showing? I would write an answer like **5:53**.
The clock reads **3:05**
